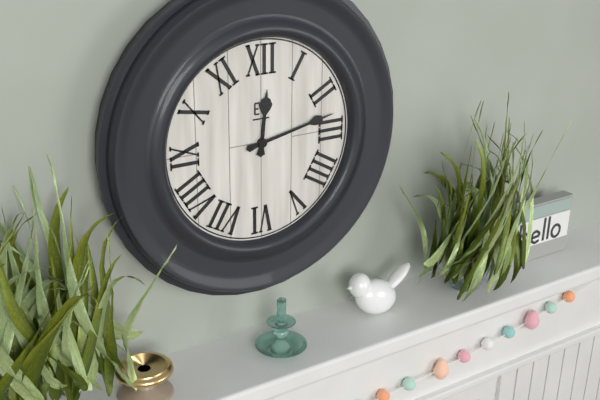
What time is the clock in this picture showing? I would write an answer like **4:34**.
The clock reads **12:13**
